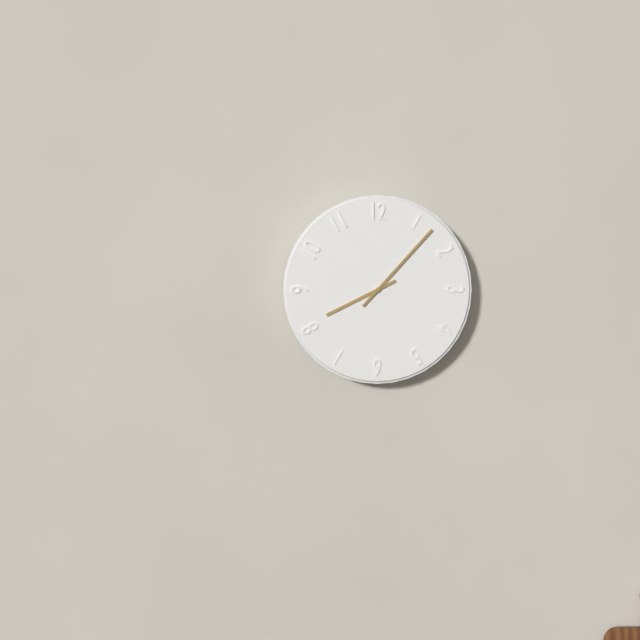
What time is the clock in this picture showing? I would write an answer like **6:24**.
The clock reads **8:07**
